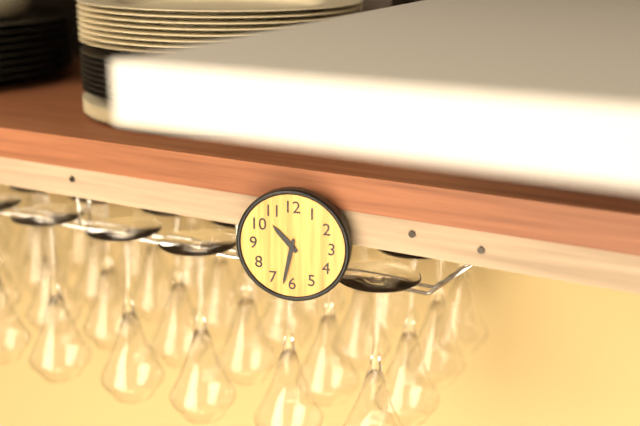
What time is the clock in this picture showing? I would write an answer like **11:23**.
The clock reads **10:32**
